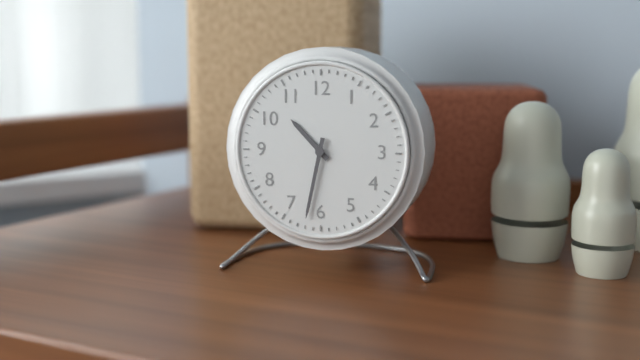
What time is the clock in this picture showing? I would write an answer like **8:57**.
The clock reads **10:32**
